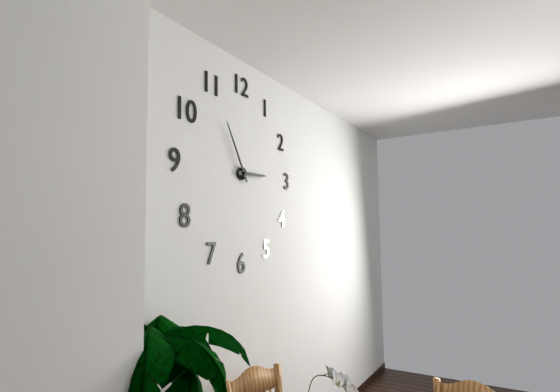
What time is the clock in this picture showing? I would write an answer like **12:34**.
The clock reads **2:55**
